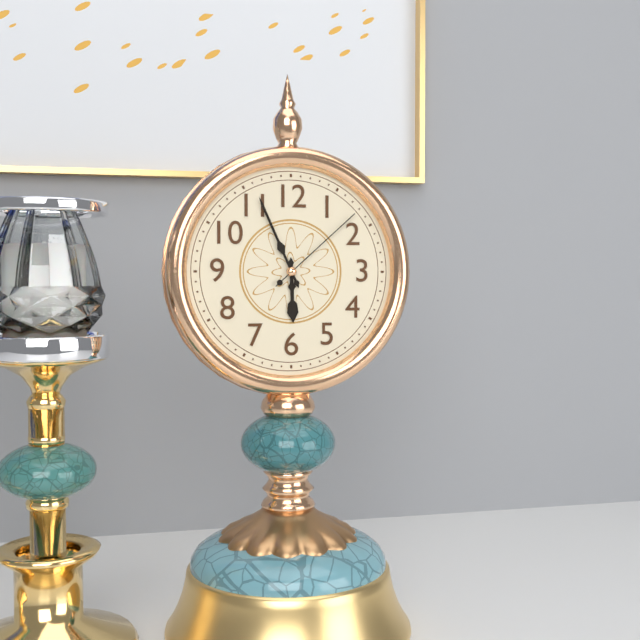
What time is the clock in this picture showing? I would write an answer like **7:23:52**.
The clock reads **5:56:08**
